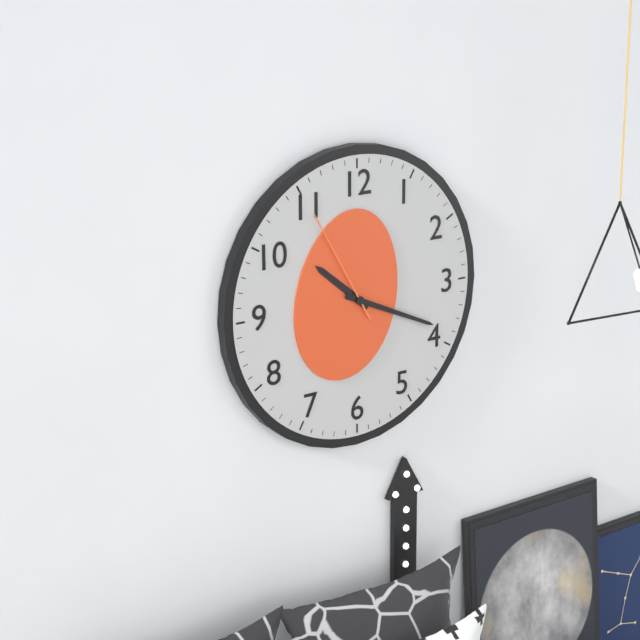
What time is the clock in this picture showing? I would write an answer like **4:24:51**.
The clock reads **10:19:55**
